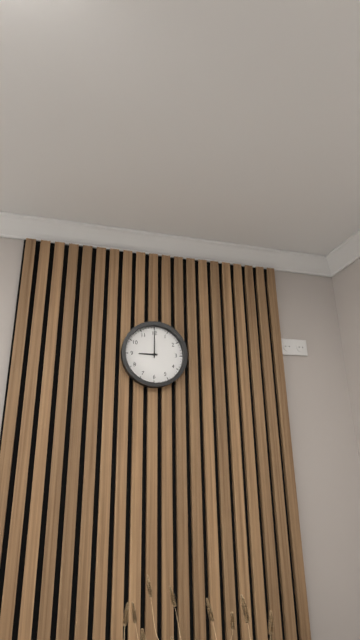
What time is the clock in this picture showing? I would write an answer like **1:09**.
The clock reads **9:00**
